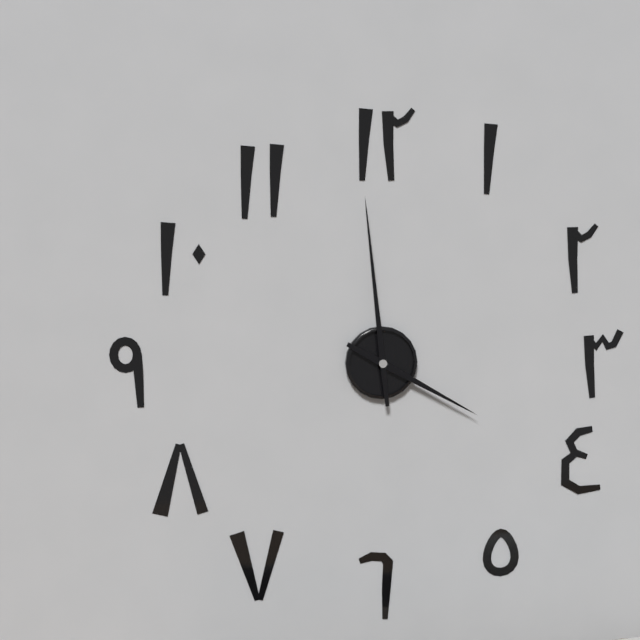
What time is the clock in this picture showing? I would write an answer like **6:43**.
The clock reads **3:59**
